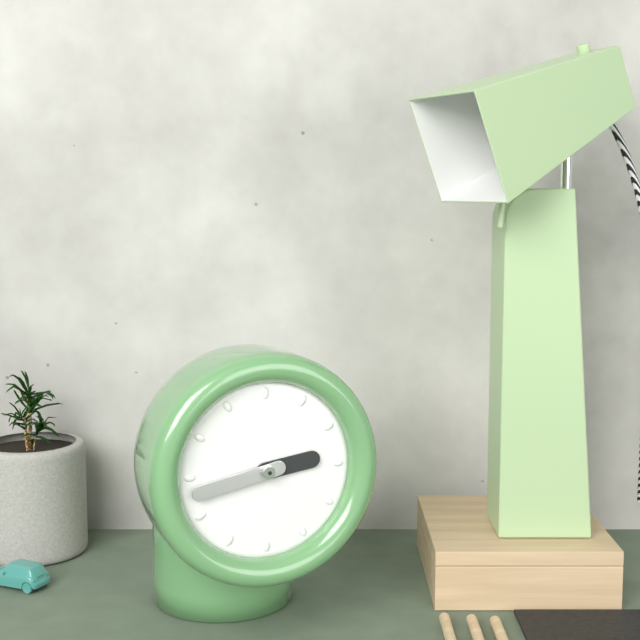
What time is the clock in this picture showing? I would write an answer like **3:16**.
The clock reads **2:43**
